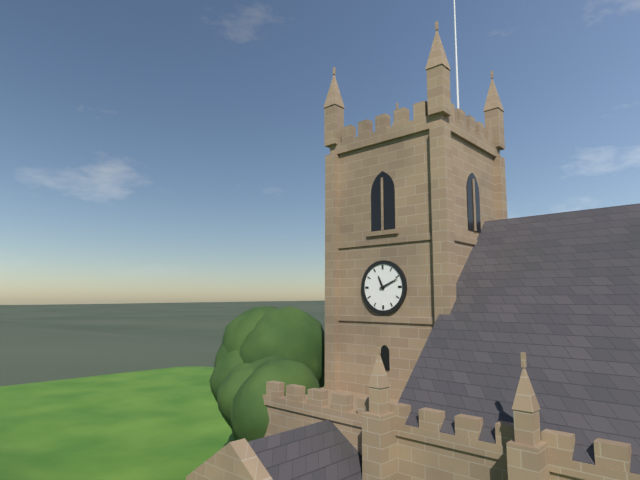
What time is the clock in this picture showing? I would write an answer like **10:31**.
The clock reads **11:11**
